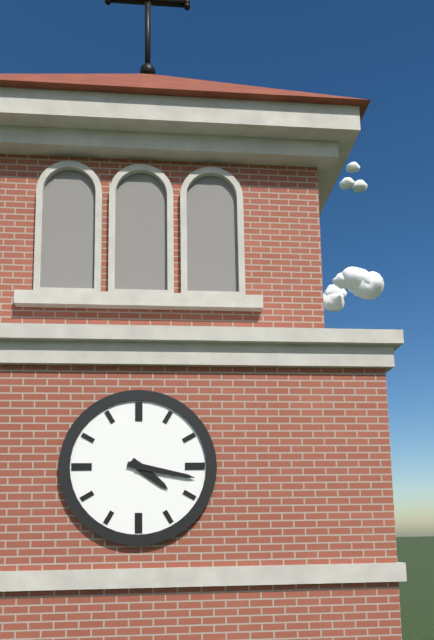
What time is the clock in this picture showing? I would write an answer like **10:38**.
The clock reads **4:17**
